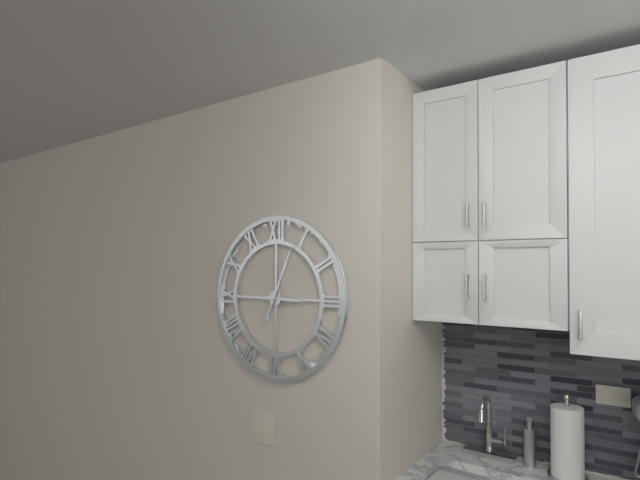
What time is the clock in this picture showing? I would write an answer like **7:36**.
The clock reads **3:04**
